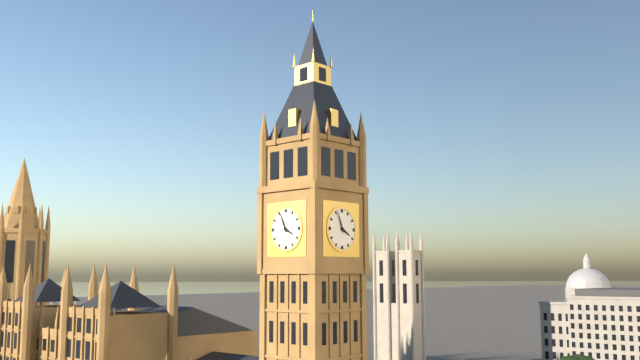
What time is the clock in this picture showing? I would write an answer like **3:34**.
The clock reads **3:56**
